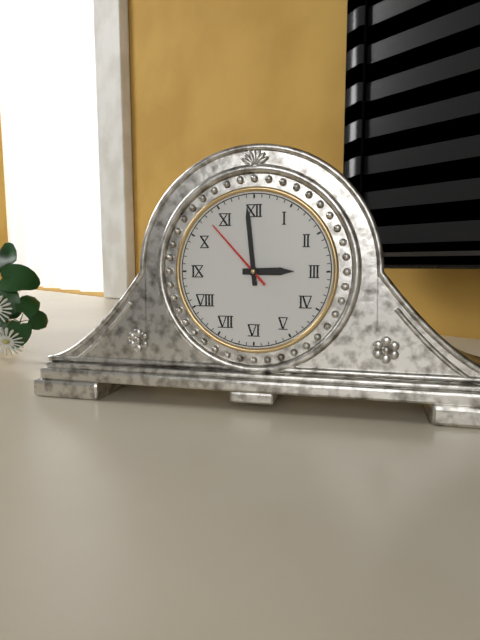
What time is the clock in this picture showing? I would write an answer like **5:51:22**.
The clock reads **2:59:53**
